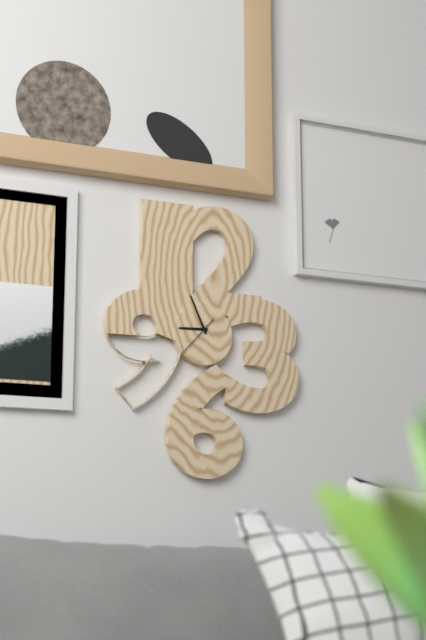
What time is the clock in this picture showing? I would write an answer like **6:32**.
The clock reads **8:56**
